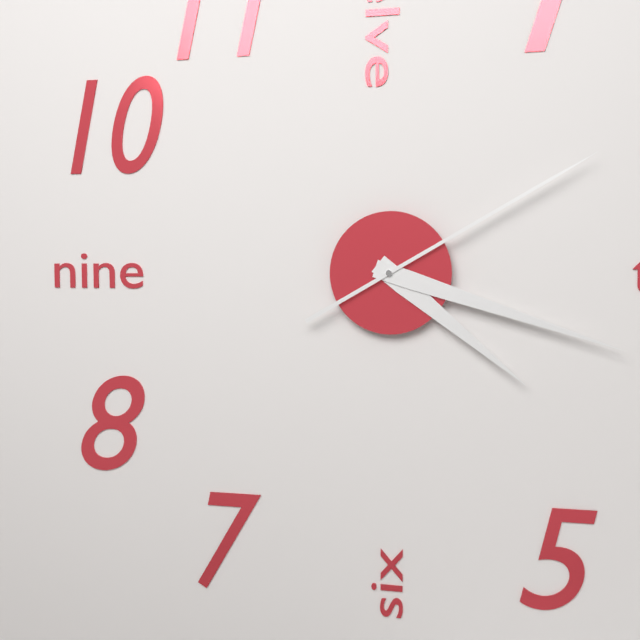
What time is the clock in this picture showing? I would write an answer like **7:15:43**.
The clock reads **4:18:10**
